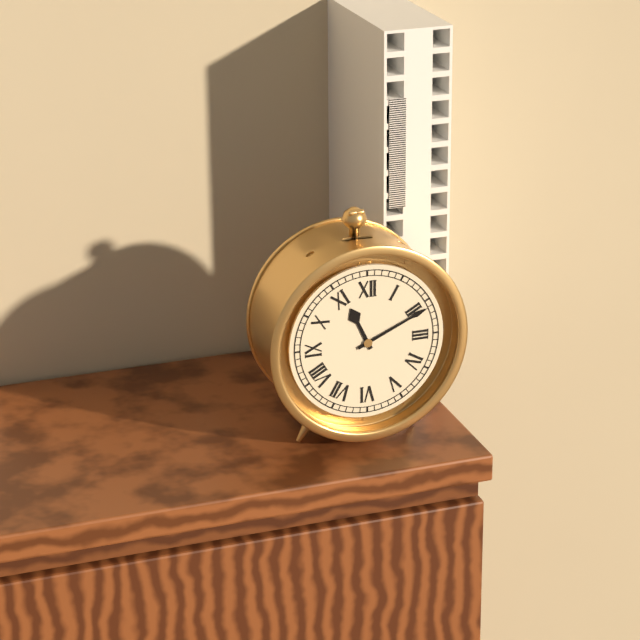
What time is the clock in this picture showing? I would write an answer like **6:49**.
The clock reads **11:11**
